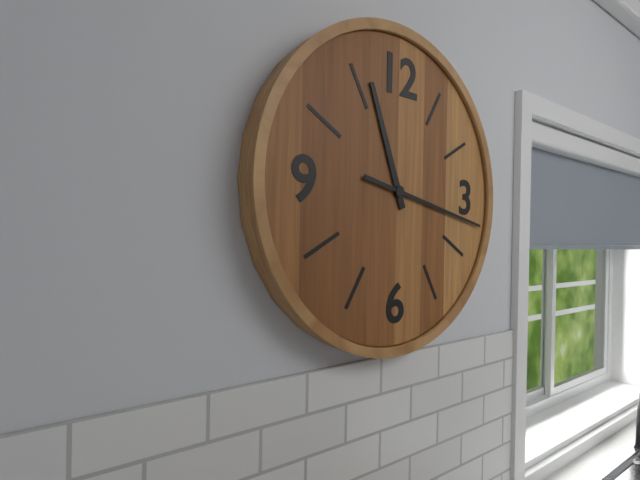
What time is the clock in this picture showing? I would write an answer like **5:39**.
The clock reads **11:17**
